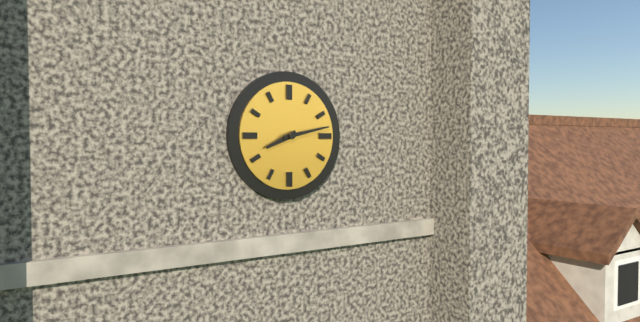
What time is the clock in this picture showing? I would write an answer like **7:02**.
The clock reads **8:13**
